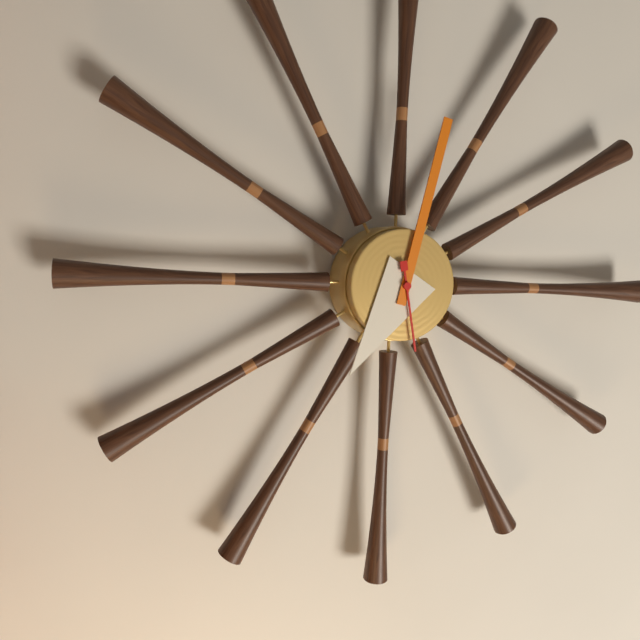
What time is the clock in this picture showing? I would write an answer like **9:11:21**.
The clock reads **7:02:28**
